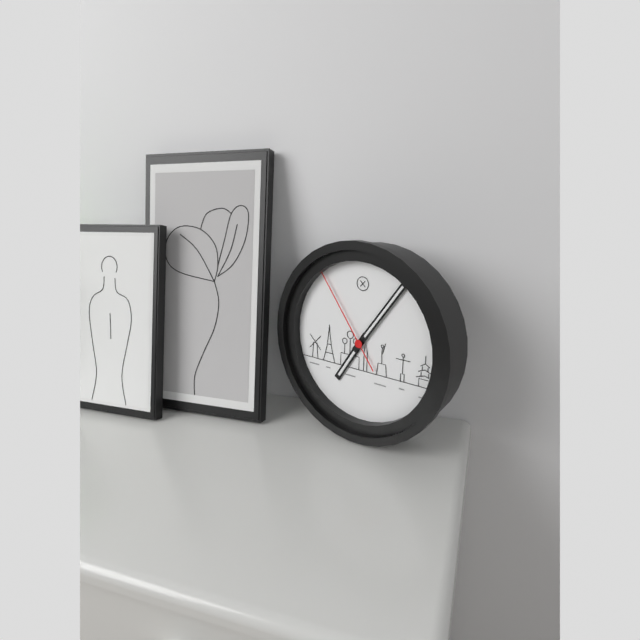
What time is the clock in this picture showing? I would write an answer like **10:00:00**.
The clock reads **7:06:54**
